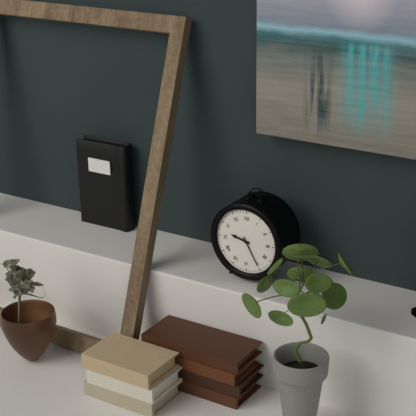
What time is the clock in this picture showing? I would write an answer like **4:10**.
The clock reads **9:25**
